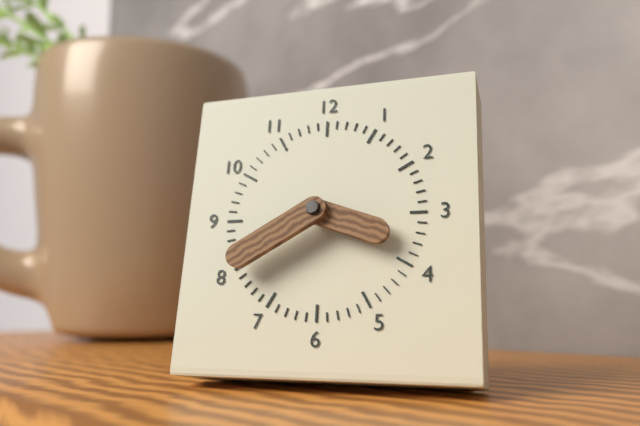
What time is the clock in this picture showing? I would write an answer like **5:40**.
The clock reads **3:40**
